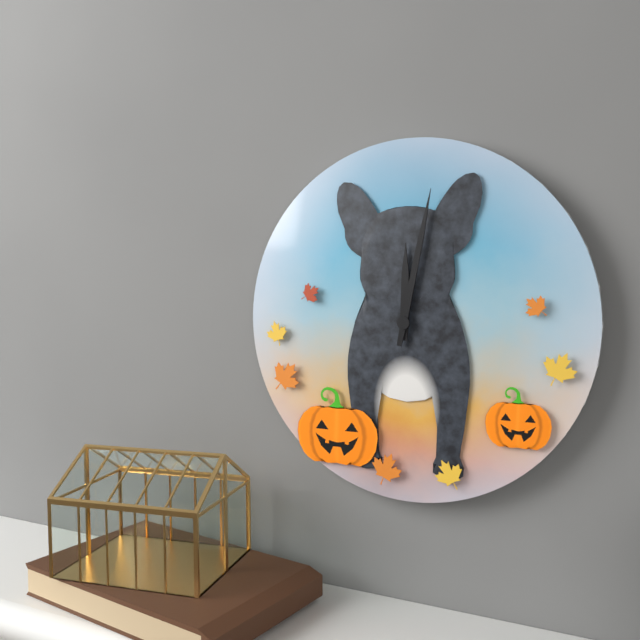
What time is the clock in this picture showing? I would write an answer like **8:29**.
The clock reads **12:02**
